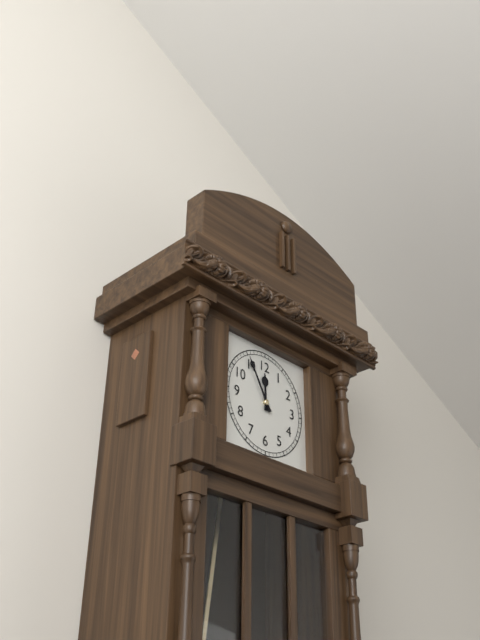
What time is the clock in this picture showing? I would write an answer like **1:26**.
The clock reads **11:55**
